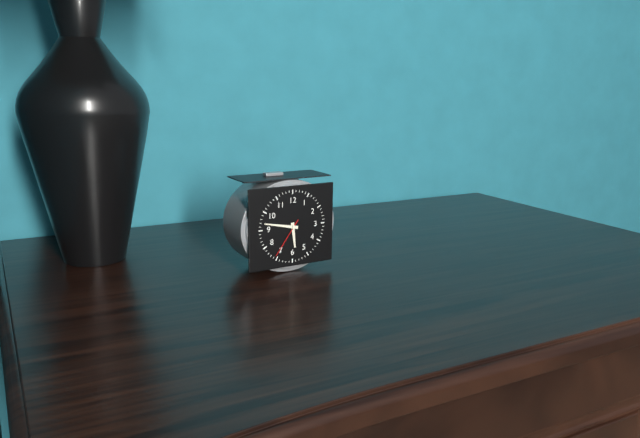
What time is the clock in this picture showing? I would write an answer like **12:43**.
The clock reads **5:47**
